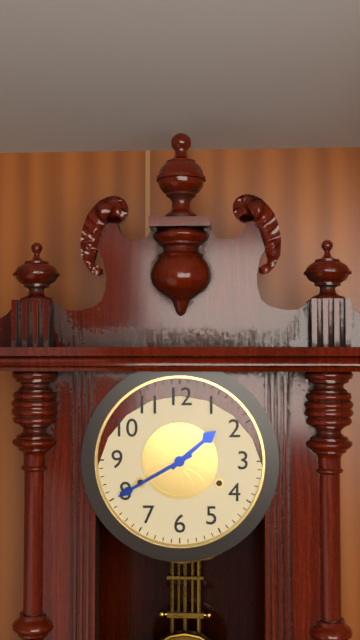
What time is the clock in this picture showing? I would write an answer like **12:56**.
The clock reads **1:40**
